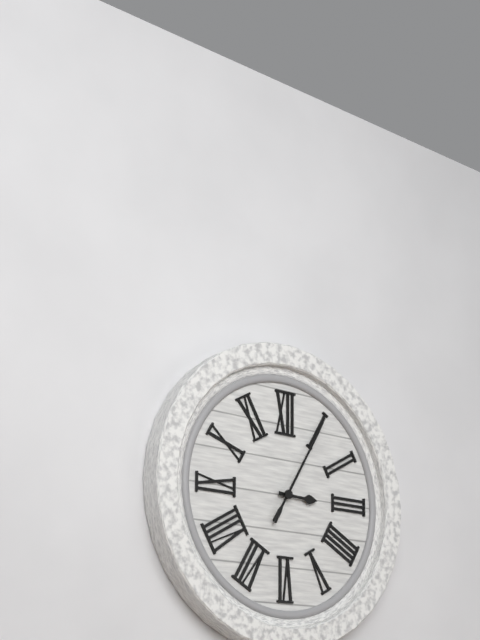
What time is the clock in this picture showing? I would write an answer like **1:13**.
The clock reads **3:05**
